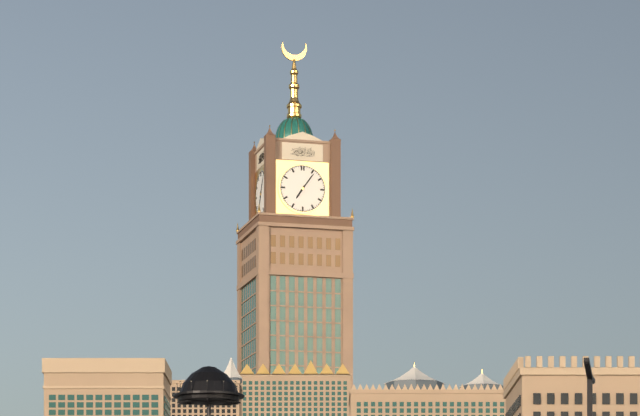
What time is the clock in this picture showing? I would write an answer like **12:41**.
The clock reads **7:06**
